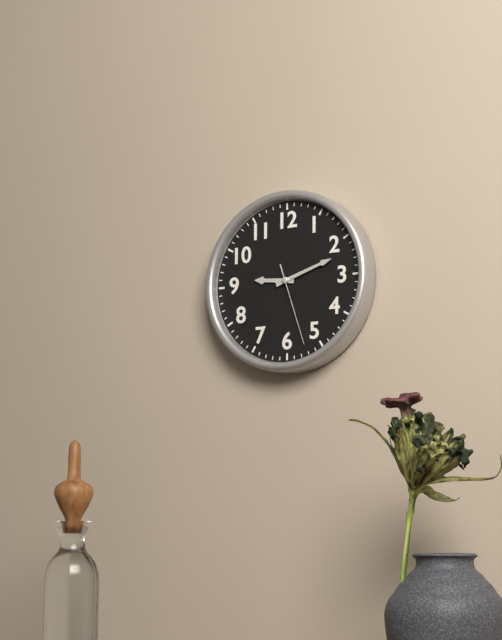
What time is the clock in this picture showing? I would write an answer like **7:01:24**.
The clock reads **9:12:27**
